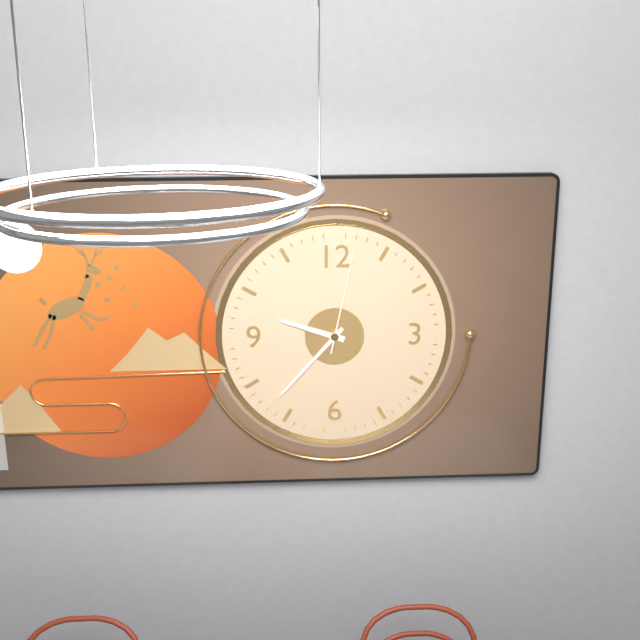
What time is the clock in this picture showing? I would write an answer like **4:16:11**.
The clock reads **9:37:02**
